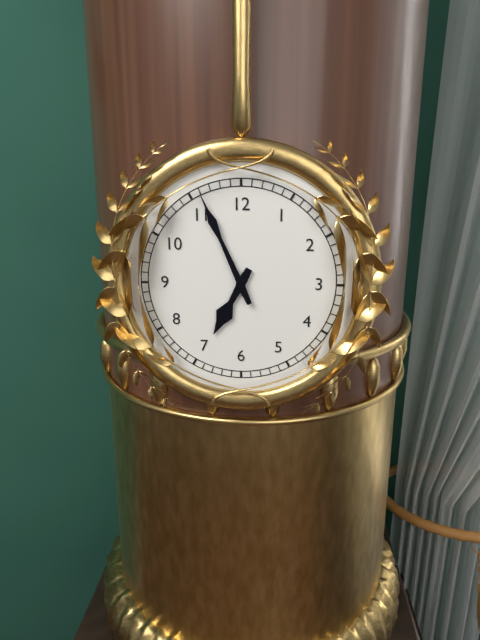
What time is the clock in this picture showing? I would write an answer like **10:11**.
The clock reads **6:56**
